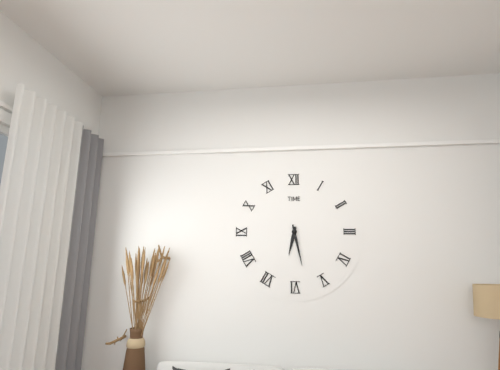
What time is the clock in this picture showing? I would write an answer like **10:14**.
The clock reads **6:28**
